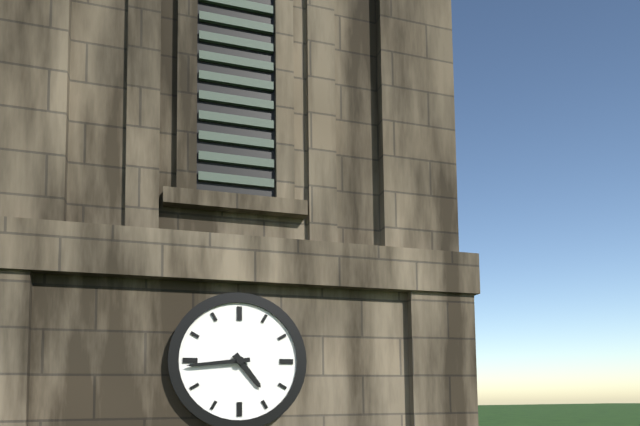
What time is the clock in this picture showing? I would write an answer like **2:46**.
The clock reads **4:44**
